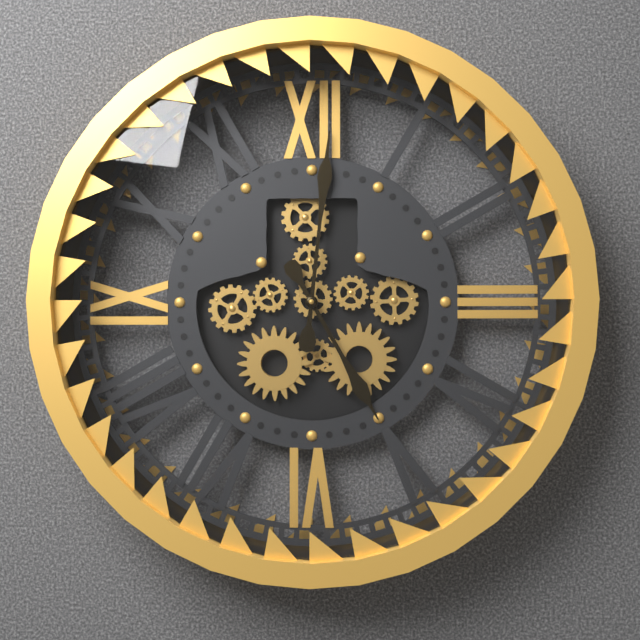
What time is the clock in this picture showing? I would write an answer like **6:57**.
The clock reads **5:01**
